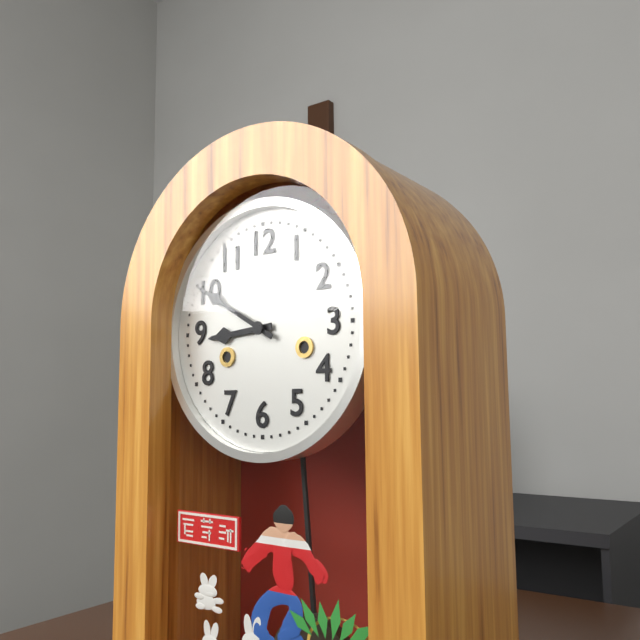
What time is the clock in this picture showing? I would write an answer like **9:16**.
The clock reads **8:50**
